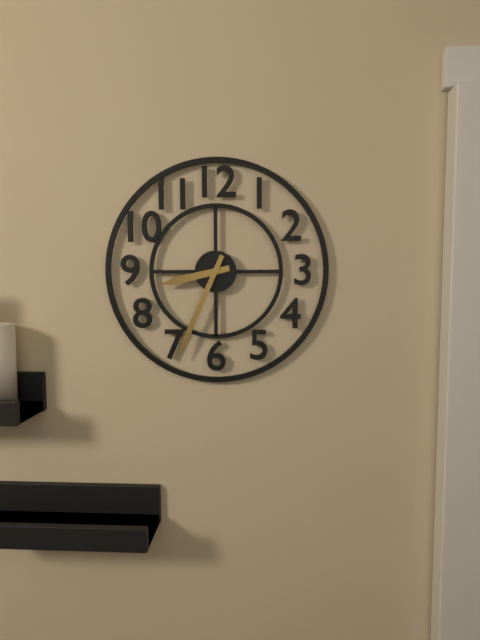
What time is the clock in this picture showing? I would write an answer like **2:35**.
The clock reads **8:34**
